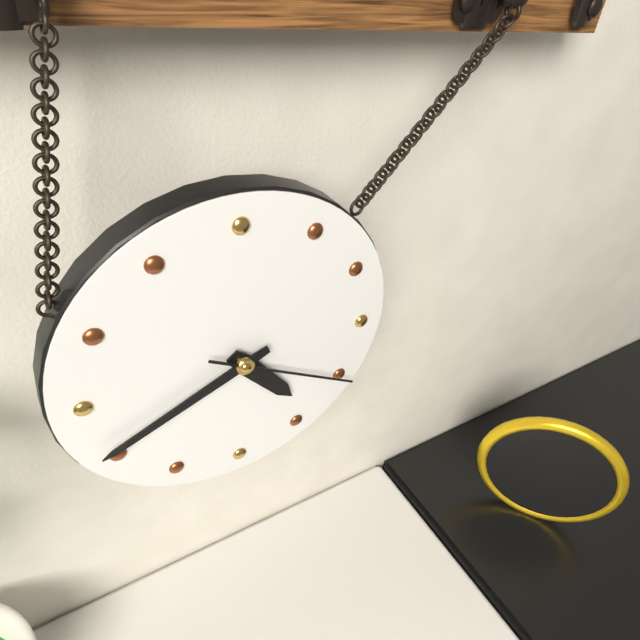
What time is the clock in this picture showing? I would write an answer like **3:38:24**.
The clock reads **4:41:20**
